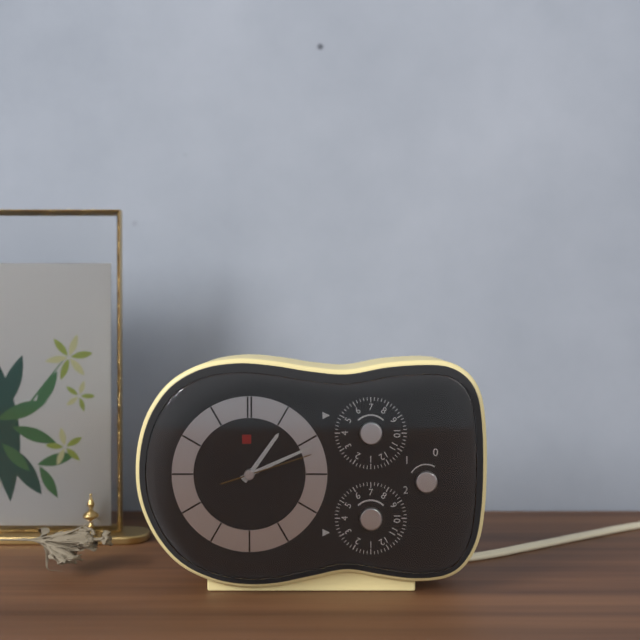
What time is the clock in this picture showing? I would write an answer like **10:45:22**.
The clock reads **1:11:12**
